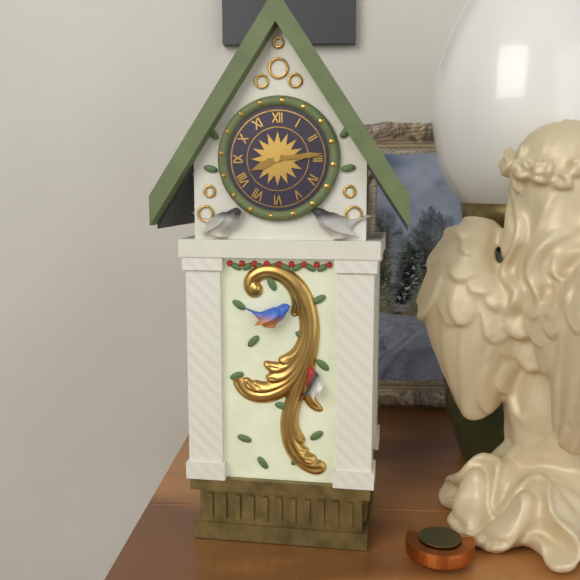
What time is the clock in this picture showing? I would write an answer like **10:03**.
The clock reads **8:14**
